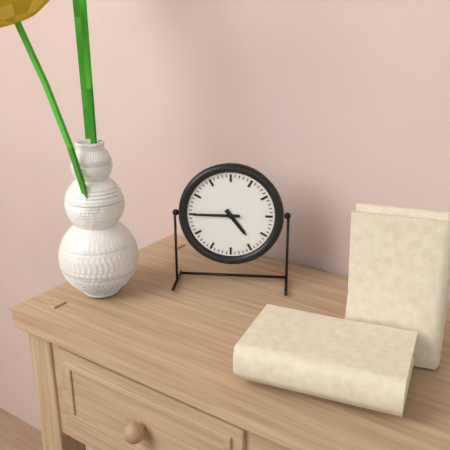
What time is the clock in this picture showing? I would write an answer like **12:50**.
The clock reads **4:45**
